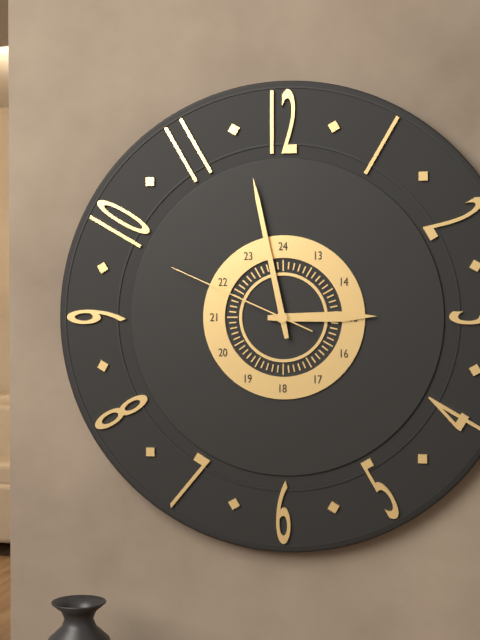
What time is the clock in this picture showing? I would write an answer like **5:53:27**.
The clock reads **2:58:49**
